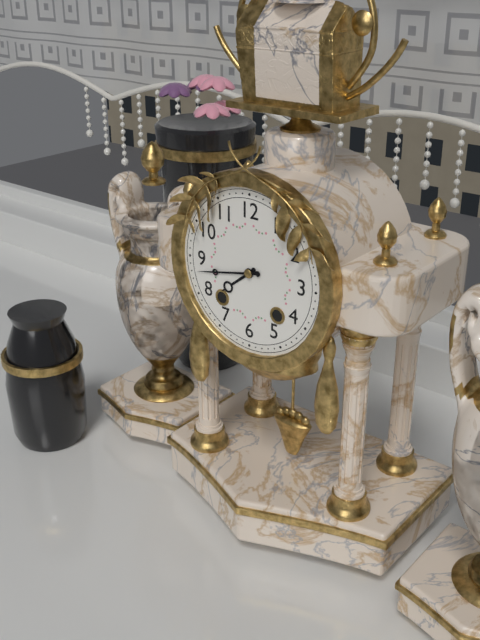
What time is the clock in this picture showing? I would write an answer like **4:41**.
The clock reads **7:43**
